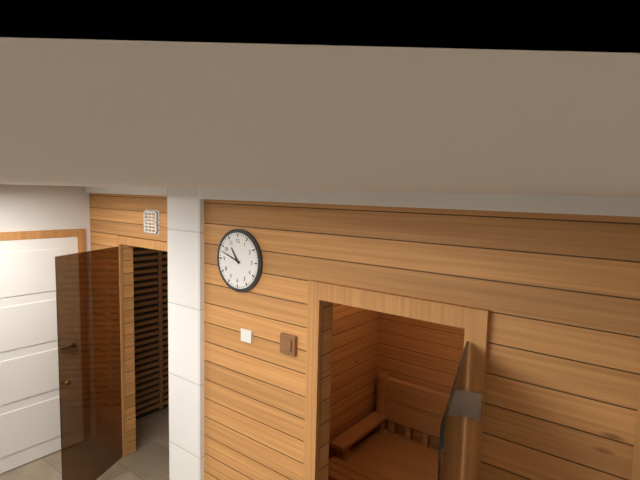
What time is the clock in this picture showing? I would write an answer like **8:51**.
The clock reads **10:48**
